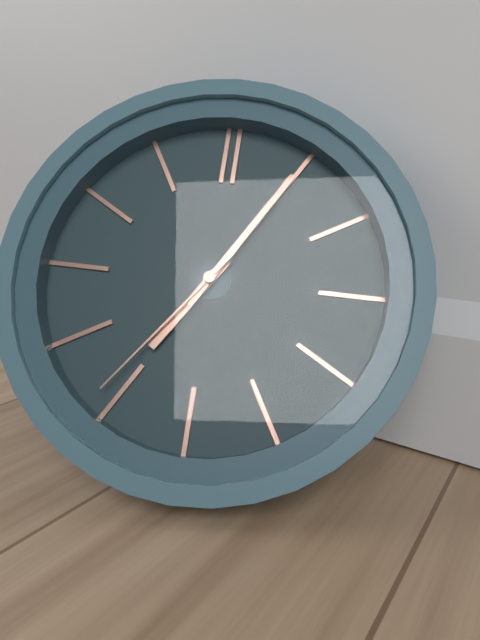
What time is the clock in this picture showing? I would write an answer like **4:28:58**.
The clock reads **7:05:36**
